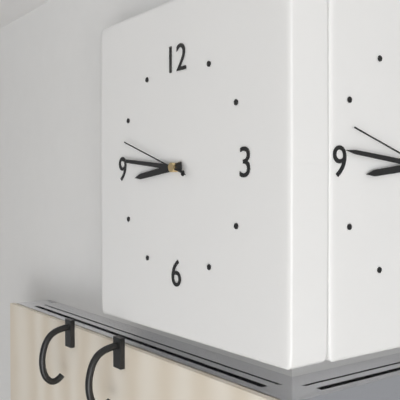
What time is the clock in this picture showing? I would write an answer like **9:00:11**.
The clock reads **8:46:48**
